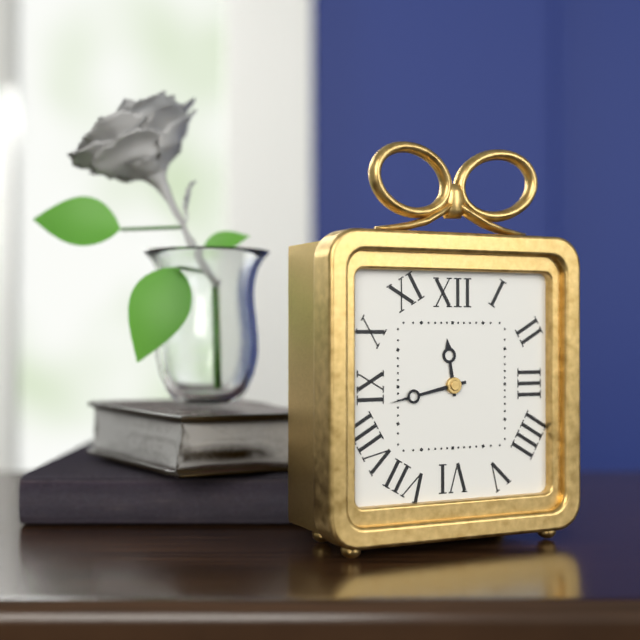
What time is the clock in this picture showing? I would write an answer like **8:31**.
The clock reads **11:43**
